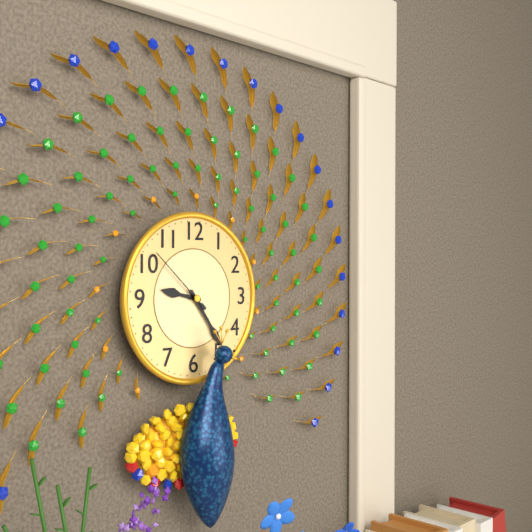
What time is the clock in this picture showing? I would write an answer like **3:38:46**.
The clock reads **9:24:52**
